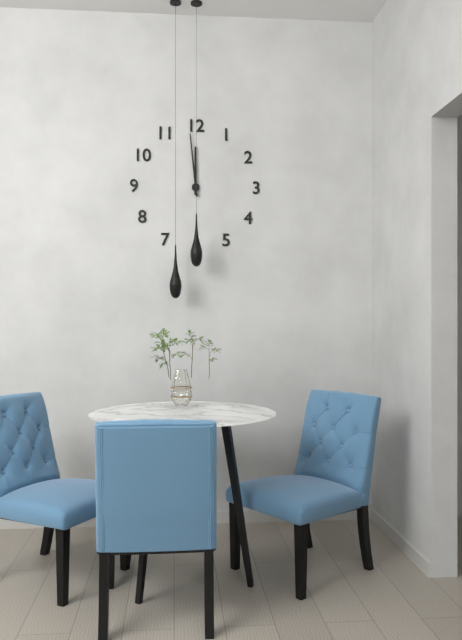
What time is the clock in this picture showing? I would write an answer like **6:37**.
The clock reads **11:59**
